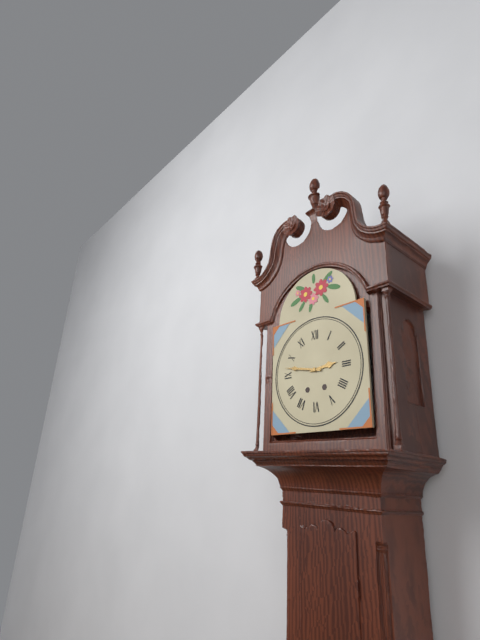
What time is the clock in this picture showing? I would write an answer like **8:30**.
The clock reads **2:47**
